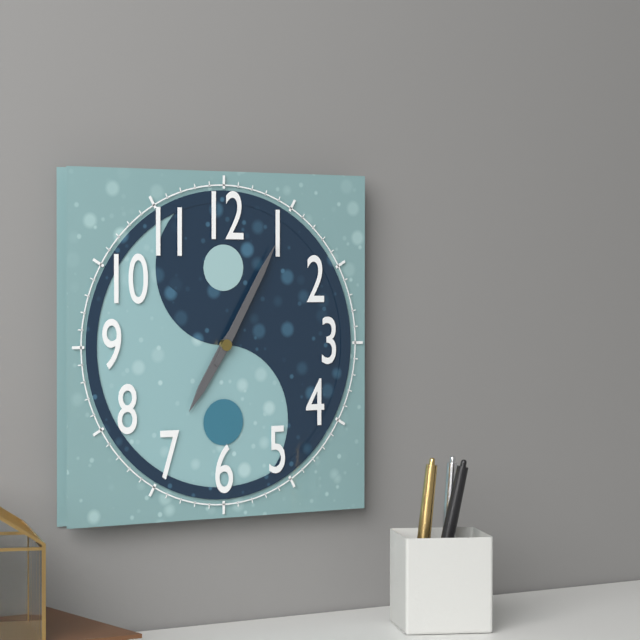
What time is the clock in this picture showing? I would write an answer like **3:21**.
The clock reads **7:05**
